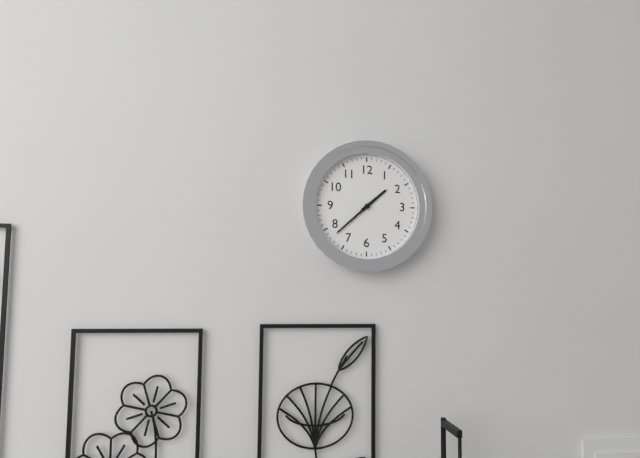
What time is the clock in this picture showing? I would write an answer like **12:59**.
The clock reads **1:38**
